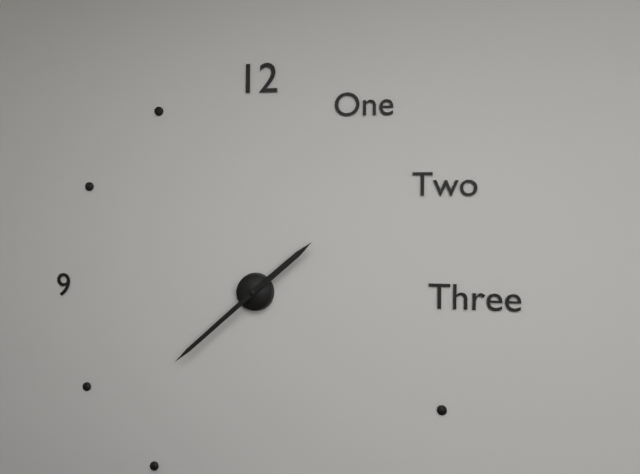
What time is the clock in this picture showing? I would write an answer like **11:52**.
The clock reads **1:38**
